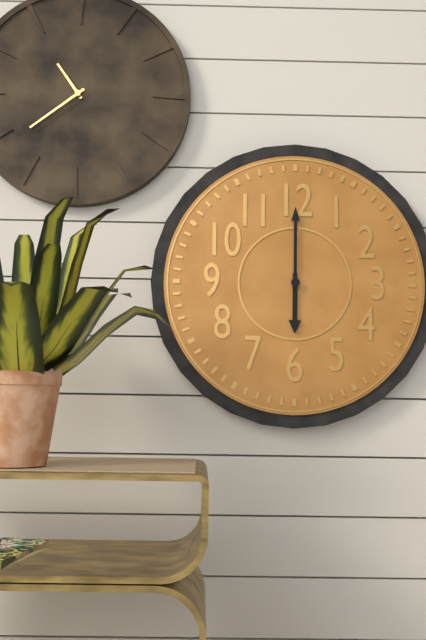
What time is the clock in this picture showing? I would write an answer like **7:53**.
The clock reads **6:00**
